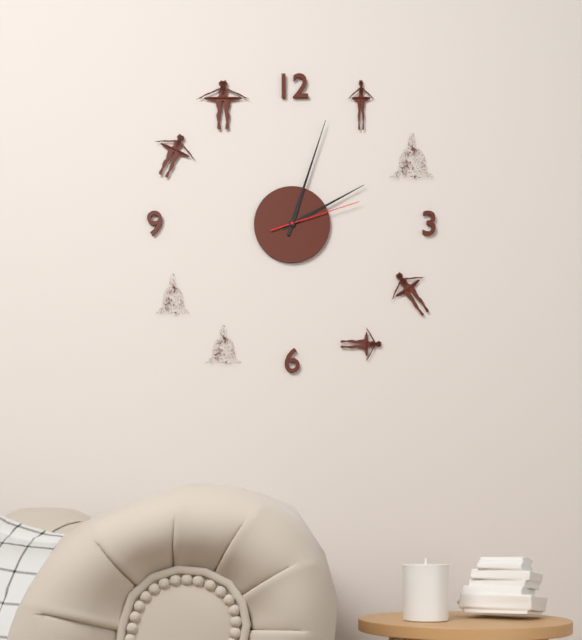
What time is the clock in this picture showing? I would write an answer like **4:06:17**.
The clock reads **2:03:12**
